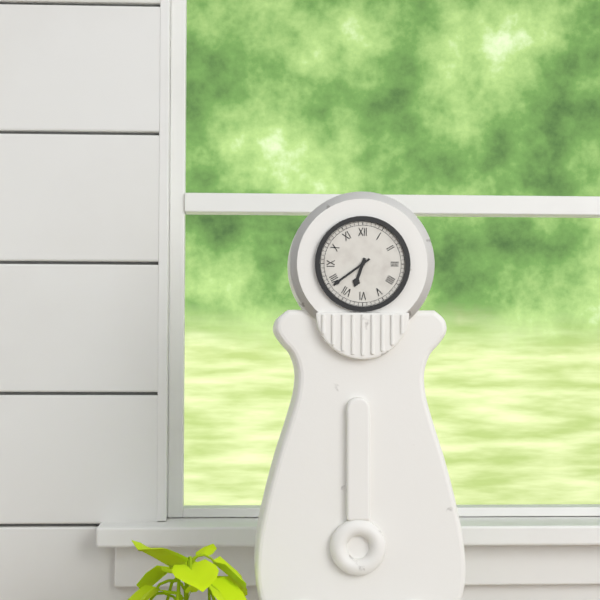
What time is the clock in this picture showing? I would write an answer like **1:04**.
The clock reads **6:39**
